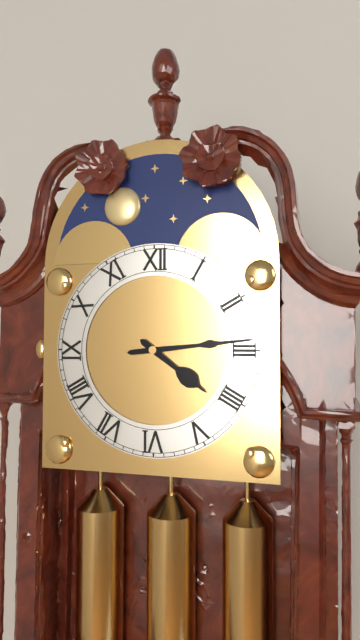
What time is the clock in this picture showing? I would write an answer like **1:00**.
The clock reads **4:14**
